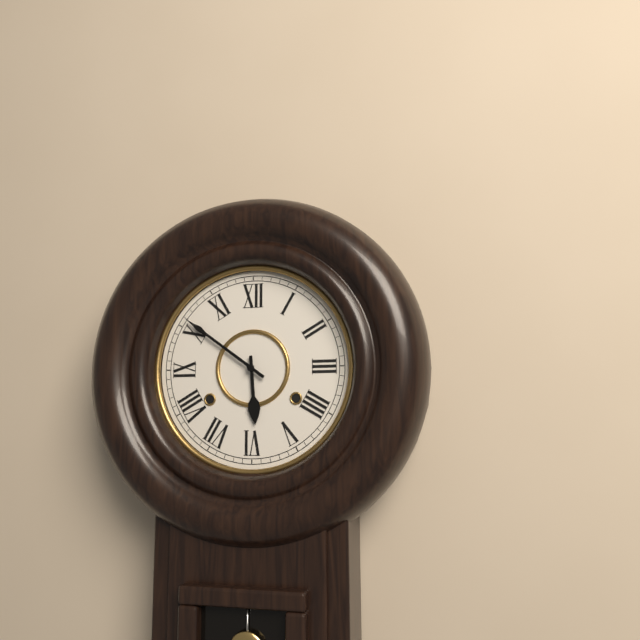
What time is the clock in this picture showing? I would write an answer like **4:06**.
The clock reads **5:51**
